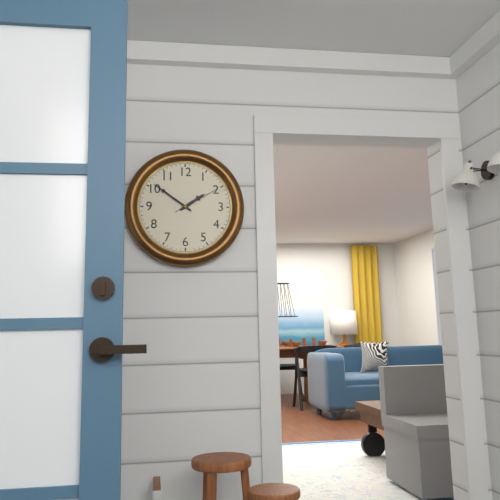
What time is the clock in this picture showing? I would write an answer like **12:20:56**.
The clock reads **1:51:10**
